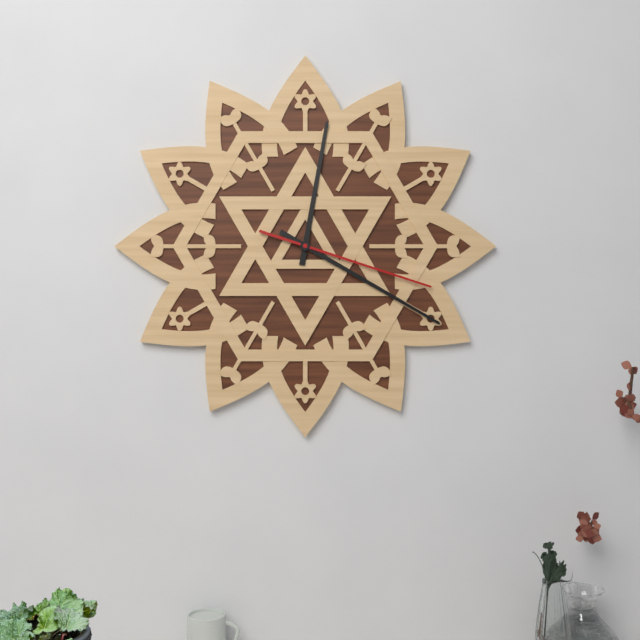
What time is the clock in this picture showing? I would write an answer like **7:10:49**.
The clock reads **12:20:18**
